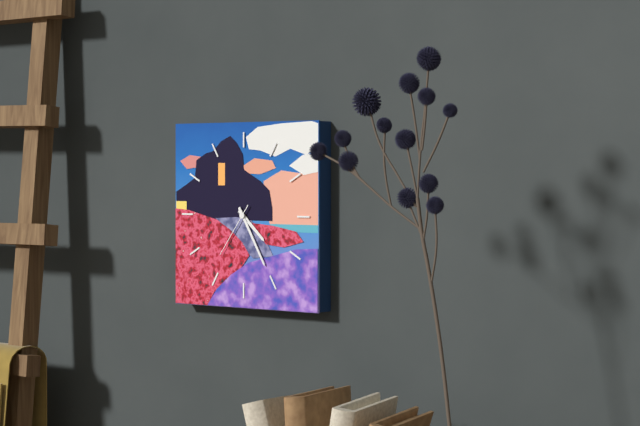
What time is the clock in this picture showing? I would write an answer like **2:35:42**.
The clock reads **4:25:36**
